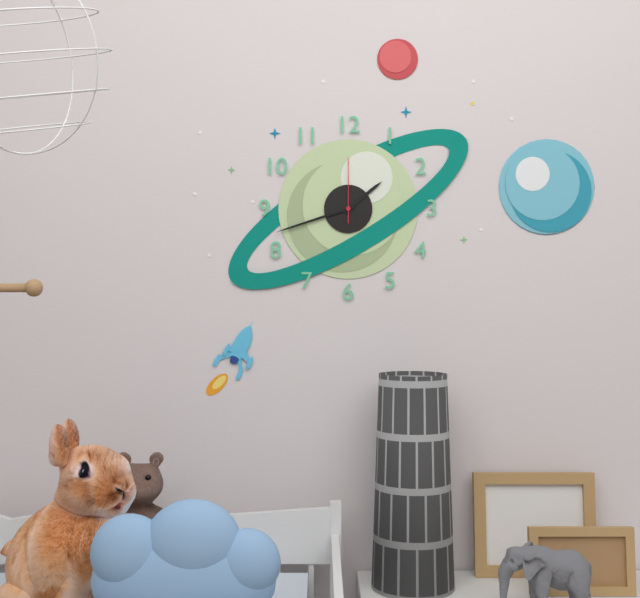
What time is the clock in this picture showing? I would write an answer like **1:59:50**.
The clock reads **1:42:00**
